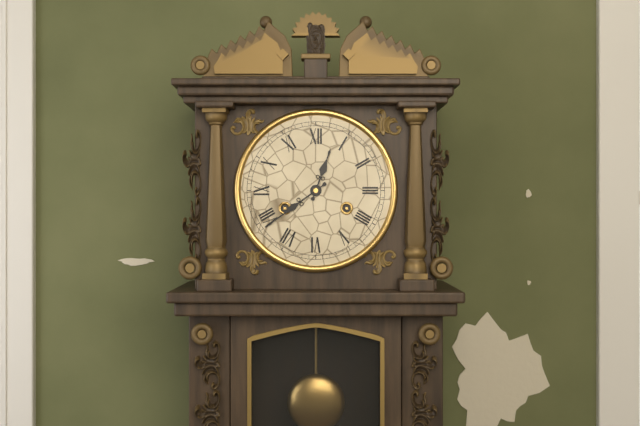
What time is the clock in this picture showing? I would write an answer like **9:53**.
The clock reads **12:39**
